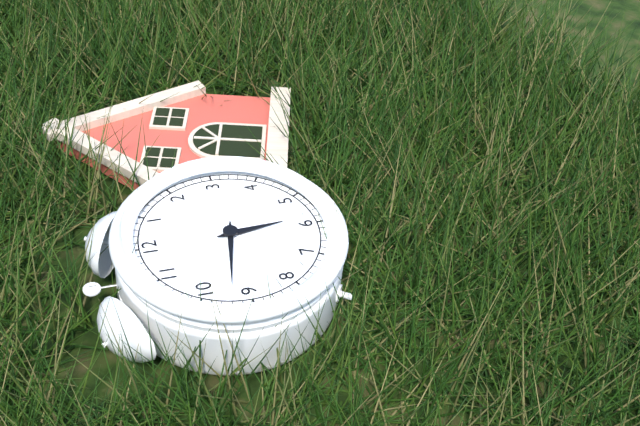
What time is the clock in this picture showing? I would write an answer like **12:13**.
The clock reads **5:47**
